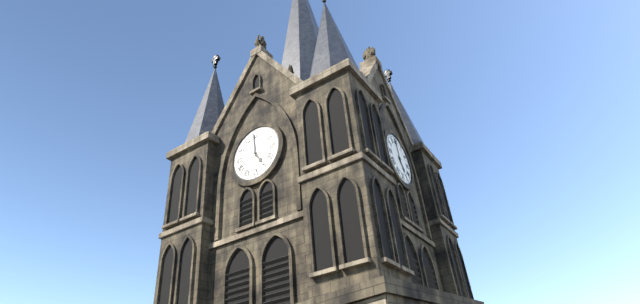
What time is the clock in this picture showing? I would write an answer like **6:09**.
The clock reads **4:59**
